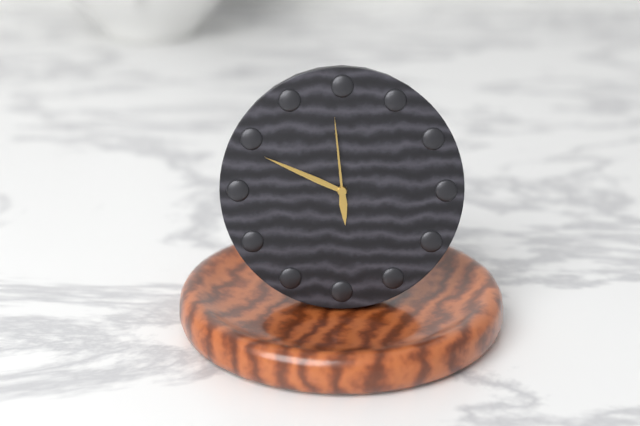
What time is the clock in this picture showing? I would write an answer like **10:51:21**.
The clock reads **5:49:59**
